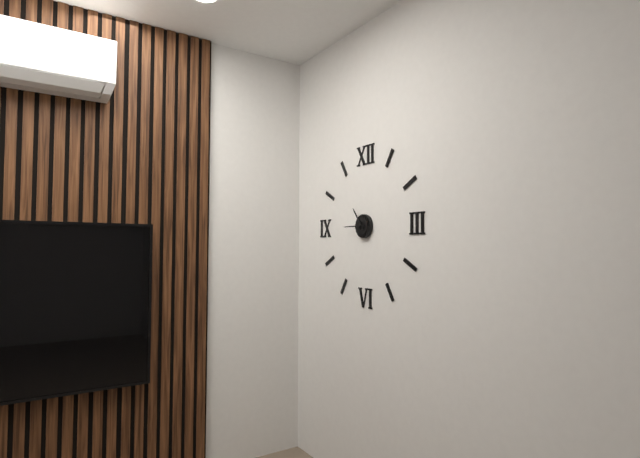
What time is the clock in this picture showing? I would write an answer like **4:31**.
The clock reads **10:45**
